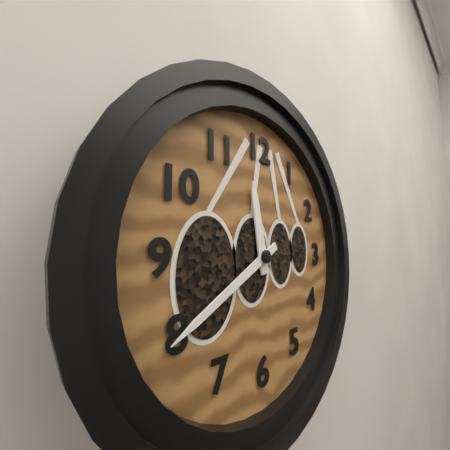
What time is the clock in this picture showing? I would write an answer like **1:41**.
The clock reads **11:40**
